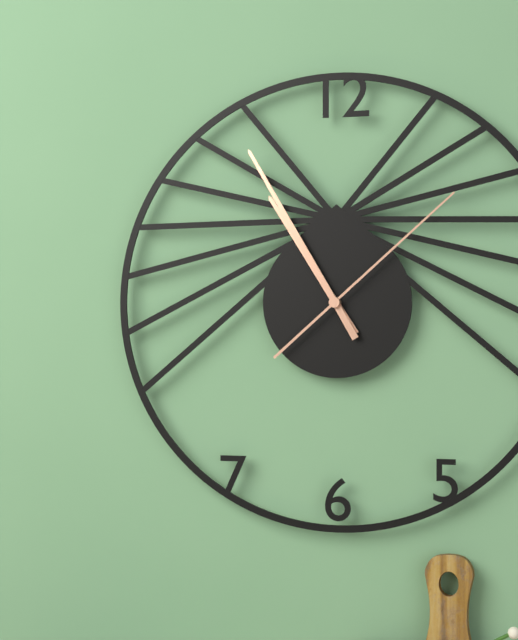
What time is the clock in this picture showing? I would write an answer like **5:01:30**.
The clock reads **10:55:08**
